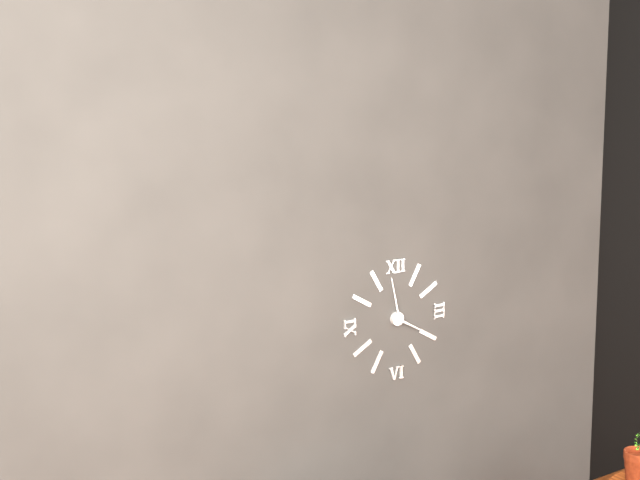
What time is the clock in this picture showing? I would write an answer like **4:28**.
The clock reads **3:58**
